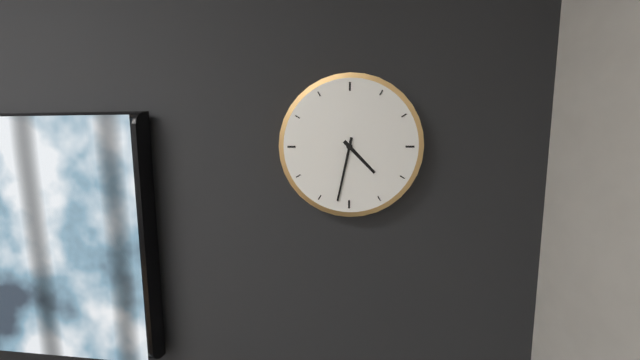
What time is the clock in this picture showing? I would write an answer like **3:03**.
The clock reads **4:32**
